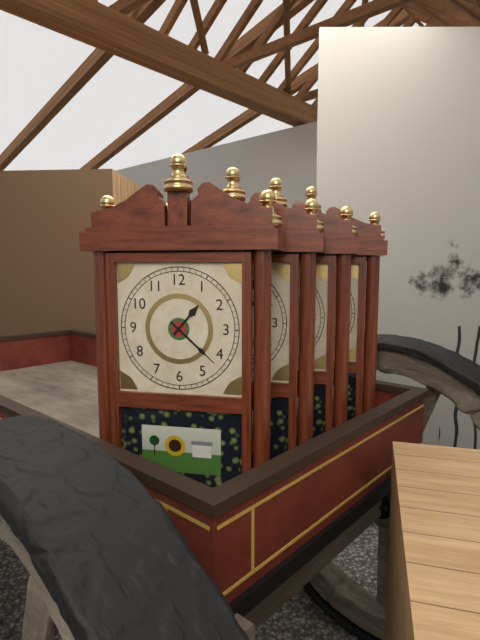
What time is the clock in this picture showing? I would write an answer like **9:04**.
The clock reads **1:22**
